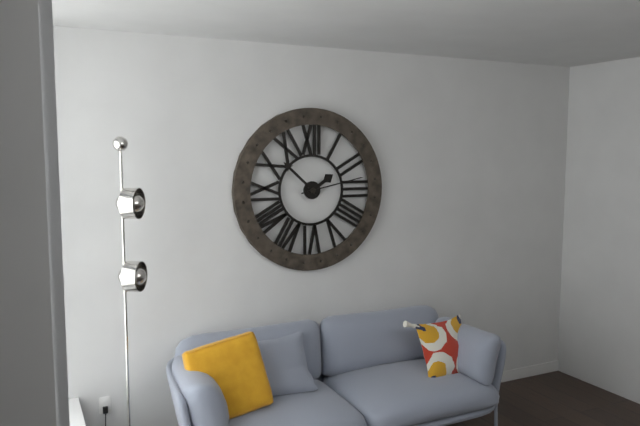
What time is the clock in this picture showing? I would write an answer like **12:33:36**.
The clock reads **1:52:13**
